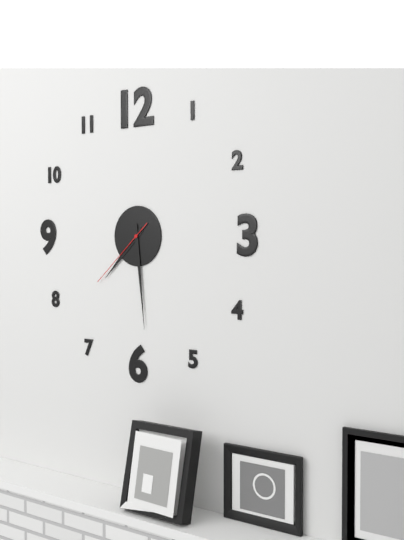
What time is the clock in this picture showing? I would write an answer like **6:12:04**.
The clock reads **7:29:38**
